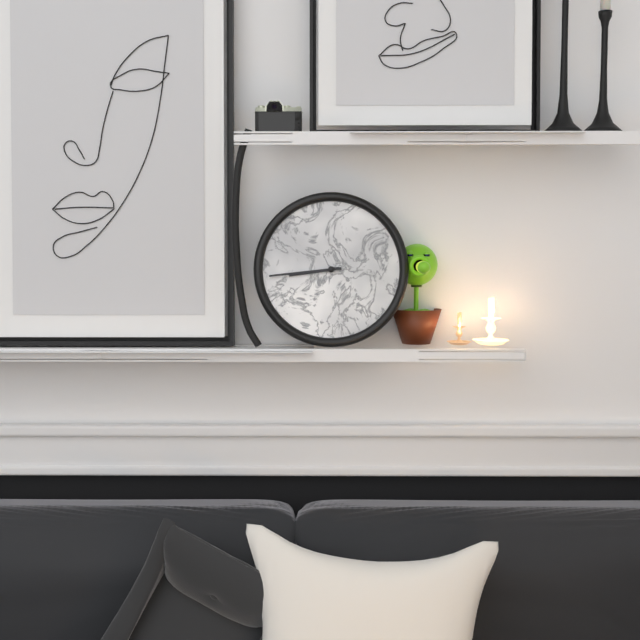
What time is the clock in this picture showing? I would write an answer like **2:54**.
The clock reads **8:44**
